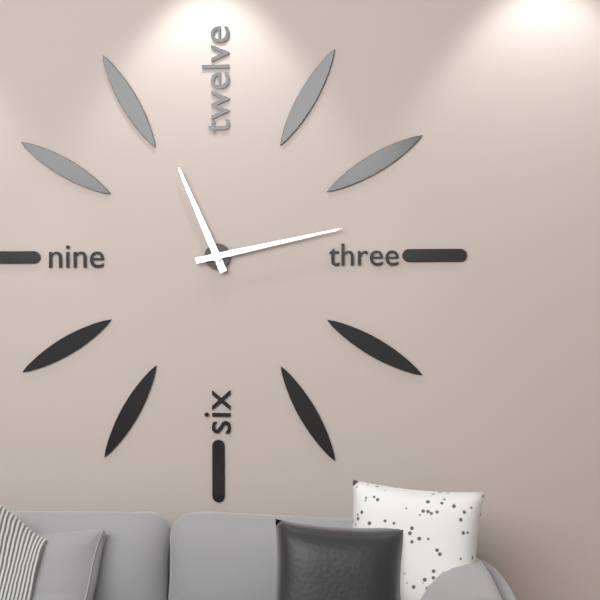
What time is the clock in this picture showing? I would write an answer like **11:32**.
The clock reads **11:13**
